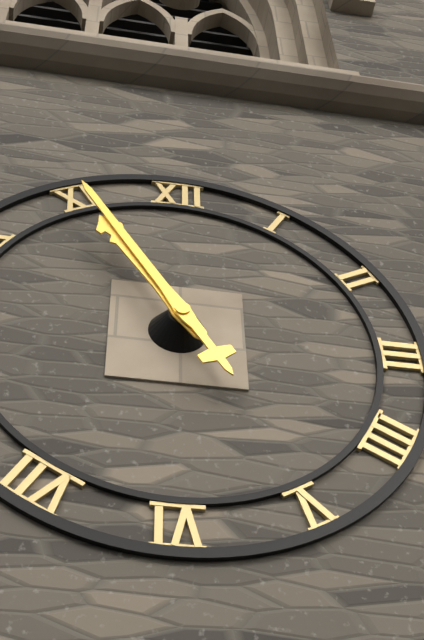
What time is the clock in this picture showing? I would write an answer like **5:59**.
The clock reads **10:55**
